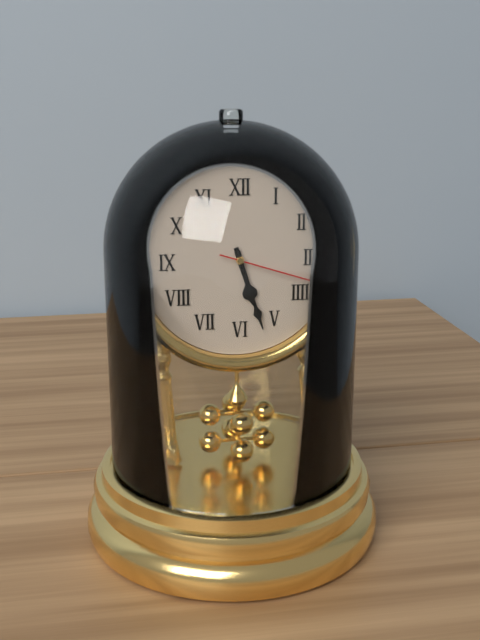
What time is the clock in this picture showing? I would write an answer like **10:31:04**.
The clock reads **5:27:18**
